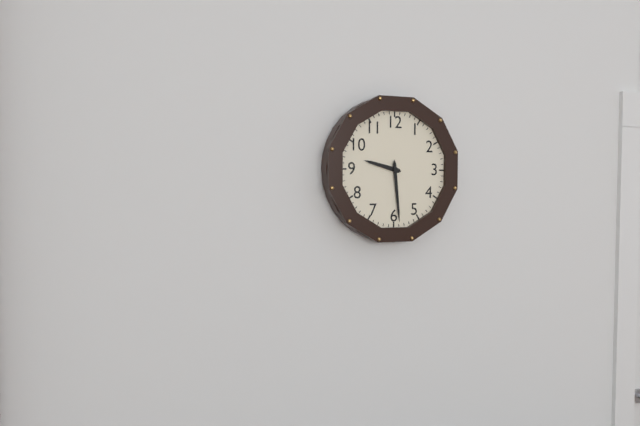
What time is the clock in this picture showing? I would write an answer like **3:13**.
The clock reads **9:29**
